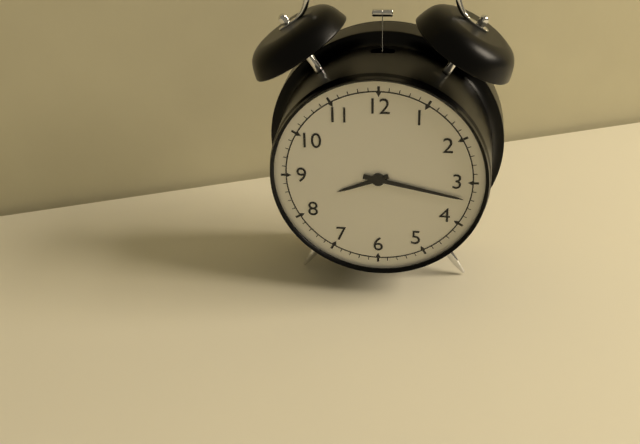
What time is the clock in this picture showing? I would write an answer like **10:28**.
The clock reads **8:17**
